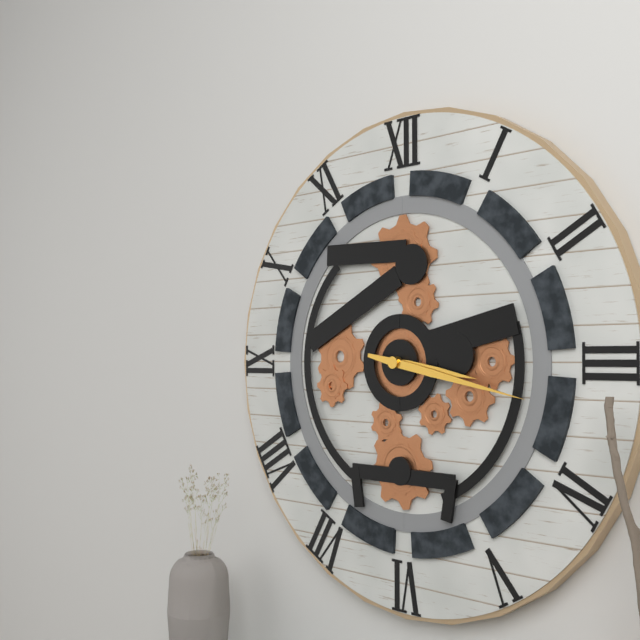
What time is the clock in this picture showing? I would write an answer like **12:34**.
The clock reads **3:17**
